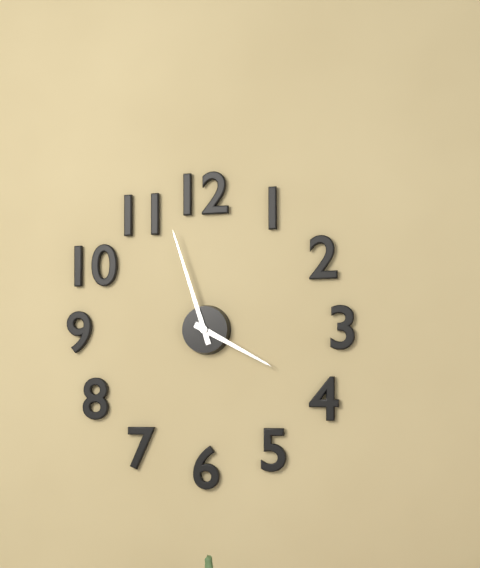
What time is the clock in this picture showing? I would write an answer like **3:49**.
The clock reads **3:57**
